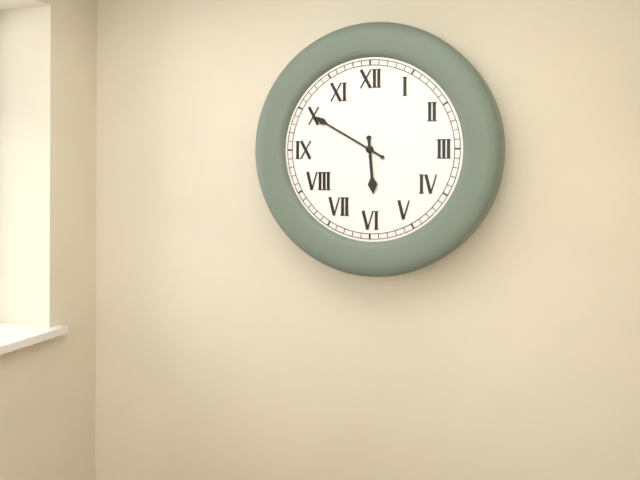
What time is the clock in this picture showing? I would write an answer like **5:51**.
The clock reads **5:50**
